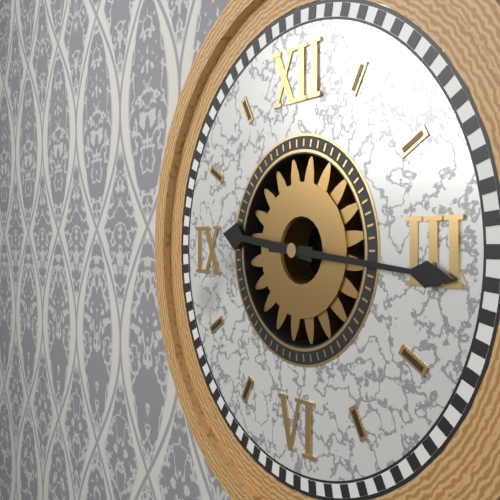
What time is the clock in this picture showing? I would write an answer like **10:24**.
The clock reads **9:16**
